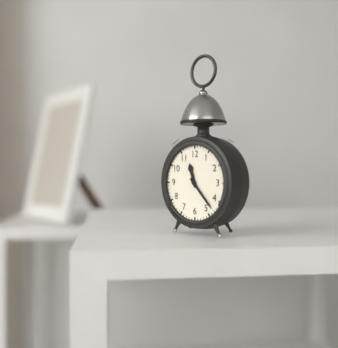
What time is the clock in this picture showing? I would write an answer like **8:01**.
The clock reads **11:23**
